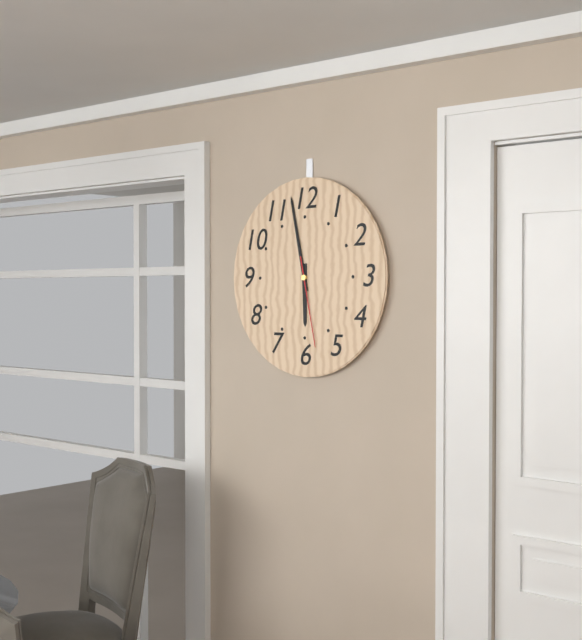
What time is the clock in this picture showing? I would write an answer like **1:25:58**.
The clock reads **5:58:28**
